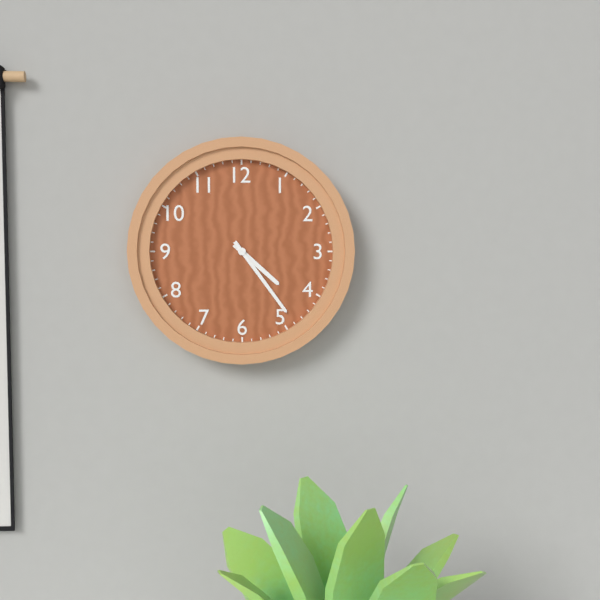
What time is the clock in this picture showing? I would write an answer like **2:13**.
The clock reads **4:24**
